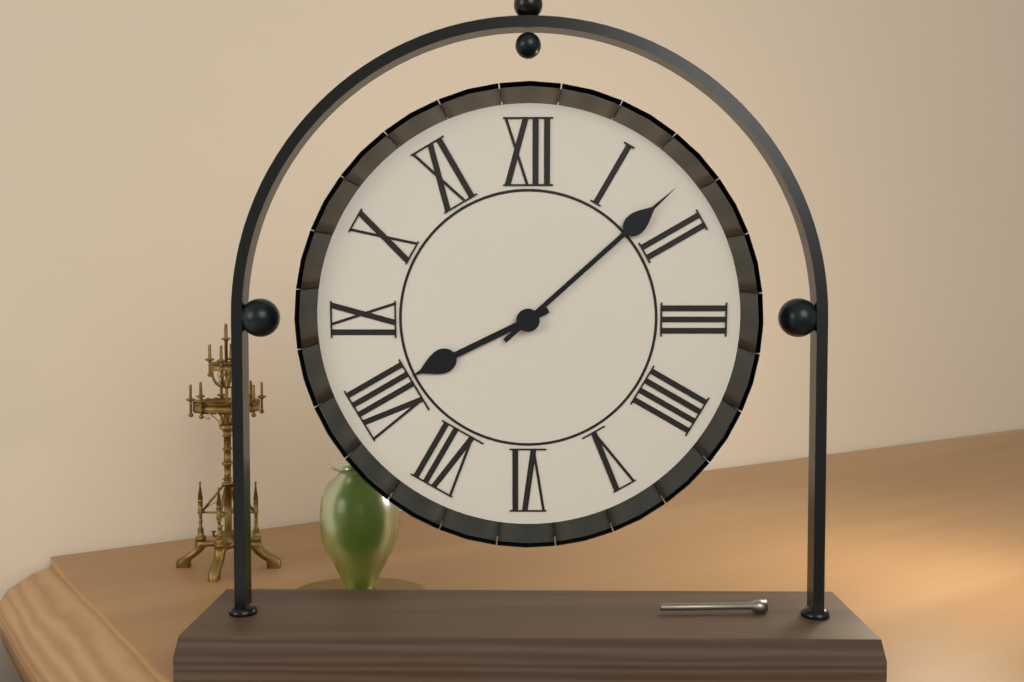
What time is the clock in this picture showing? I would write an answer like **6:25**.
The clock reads **8:08**
